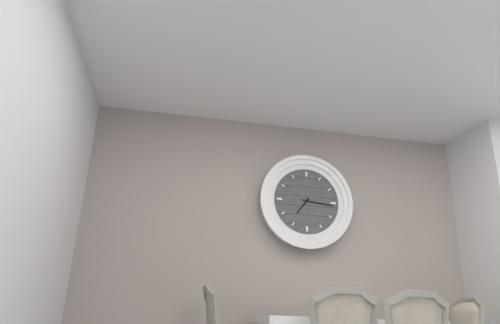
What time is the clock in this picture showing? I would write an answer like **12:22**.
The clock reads **7:16**
